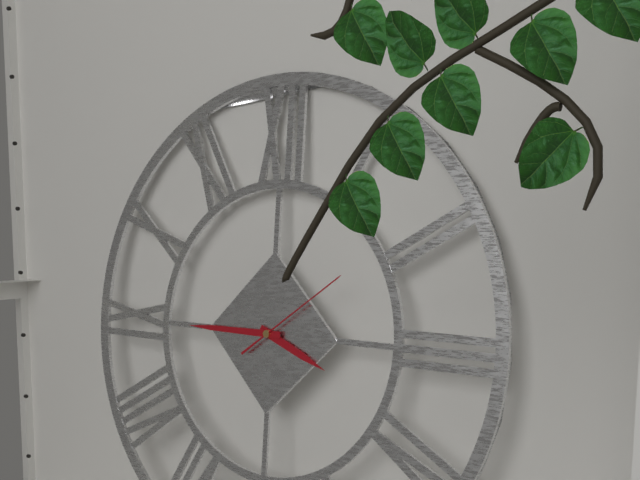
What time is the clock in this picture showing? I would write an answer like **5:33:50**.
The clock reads **3:45:09**
